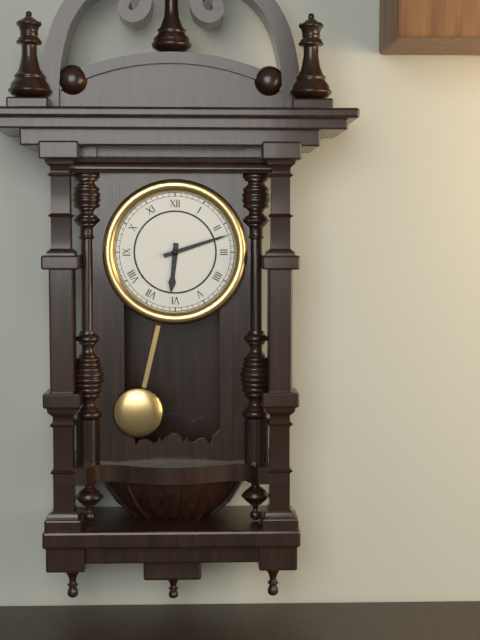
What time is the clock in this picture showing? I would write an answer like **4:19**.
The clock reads **6:12**
